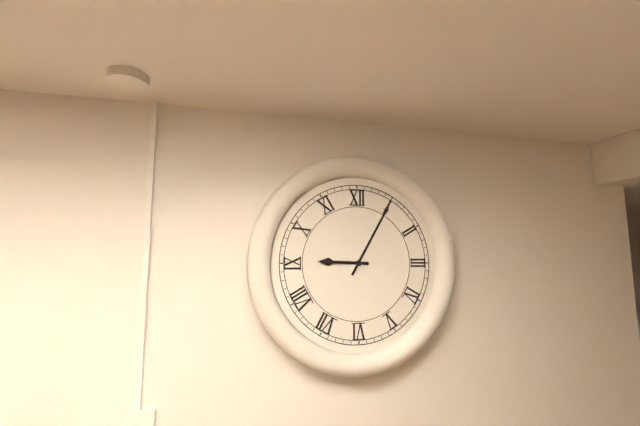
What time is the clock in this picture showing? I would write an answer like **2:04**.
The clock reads **9:05**
